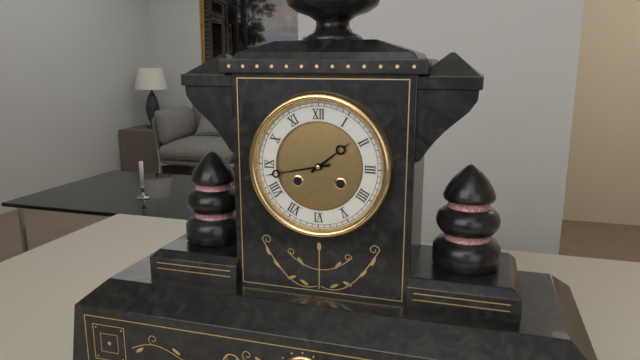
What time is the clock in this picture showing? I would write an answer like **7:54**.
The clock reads **1:43**
